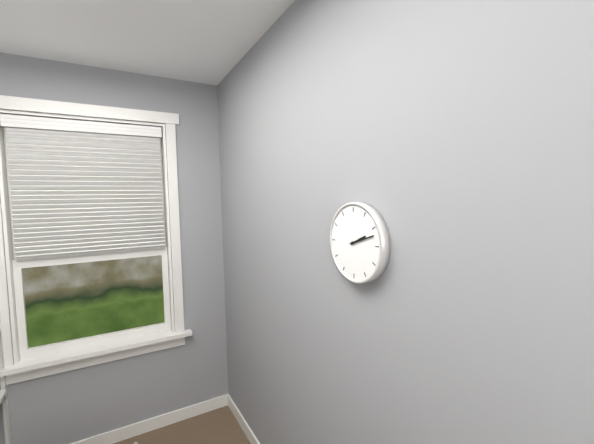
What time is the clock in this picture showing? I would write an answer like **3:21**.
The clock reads **2:12**
